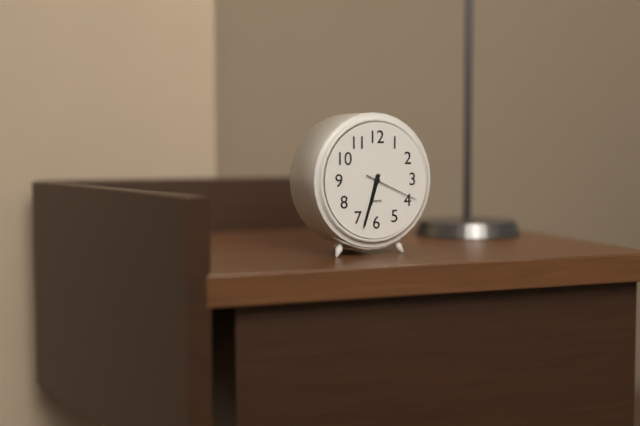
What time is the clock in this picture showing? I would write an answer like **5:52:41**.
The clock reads **6:33:19**
